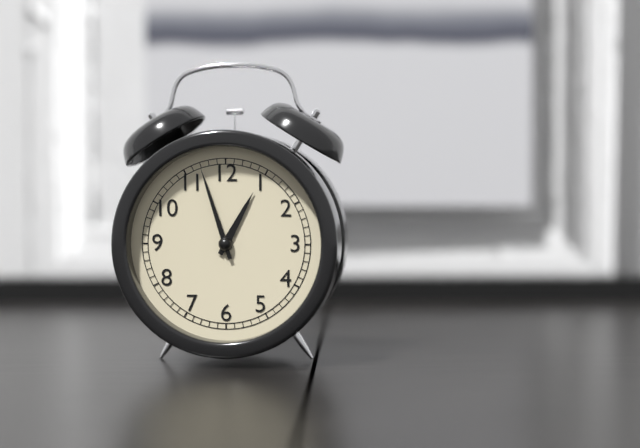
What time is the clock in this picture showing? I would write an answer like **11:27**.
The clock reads **12:57**
